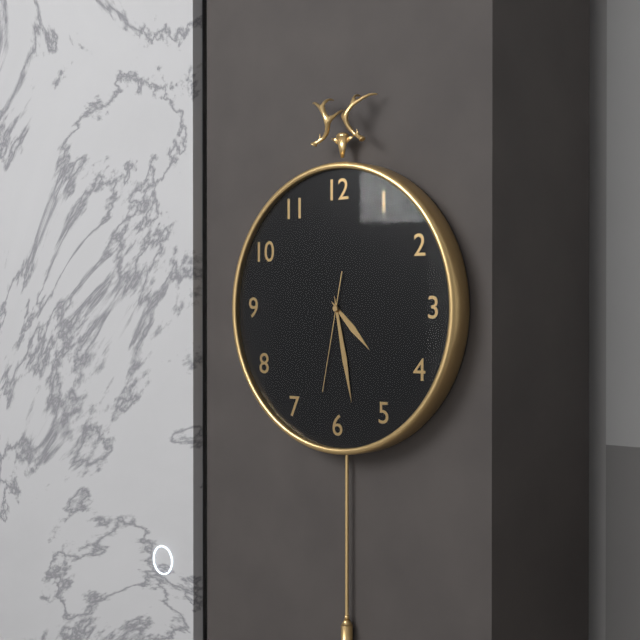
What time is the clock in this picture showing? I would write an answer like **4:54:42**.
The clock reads **4:28:32**
